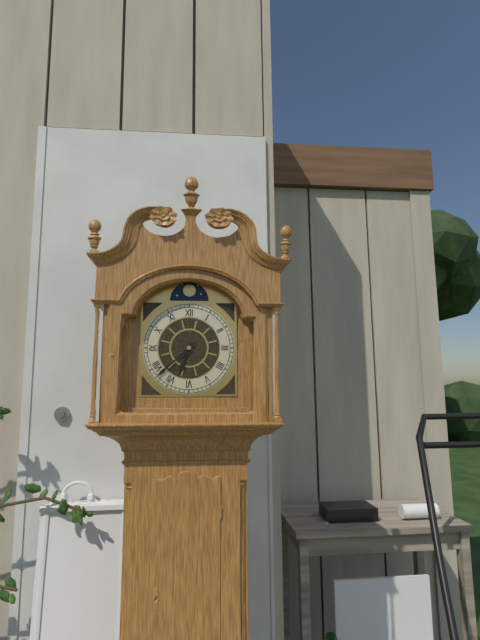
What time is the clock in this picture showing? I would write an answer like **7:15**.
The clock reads **6:38**
